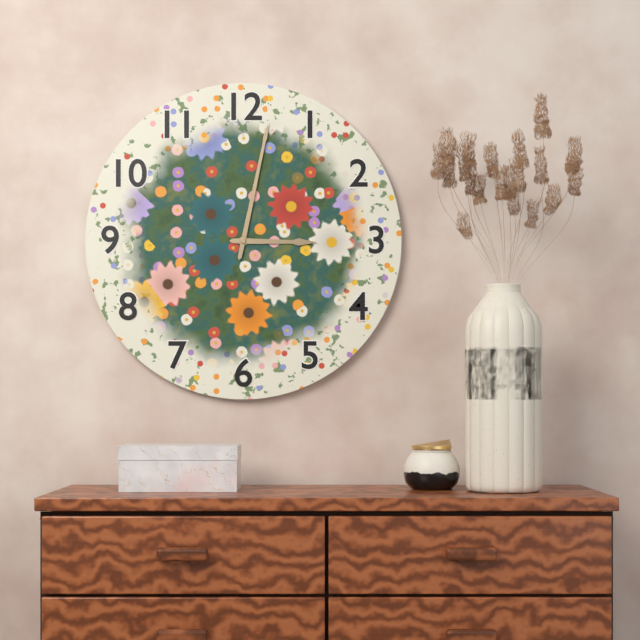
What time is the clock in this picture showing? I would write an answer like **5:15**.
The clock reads **3:02**
